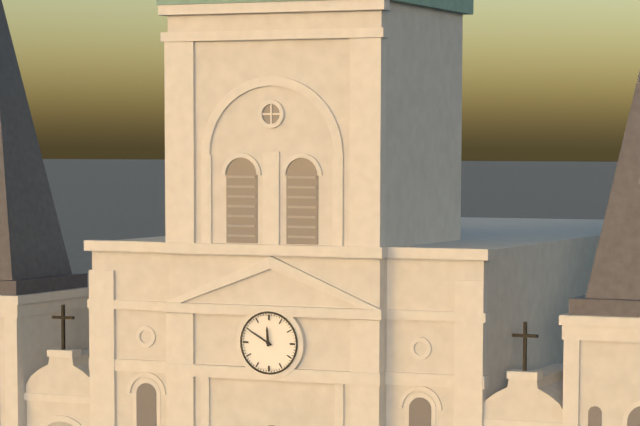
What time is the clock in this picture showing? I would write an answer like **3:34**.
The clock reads **11:50**
